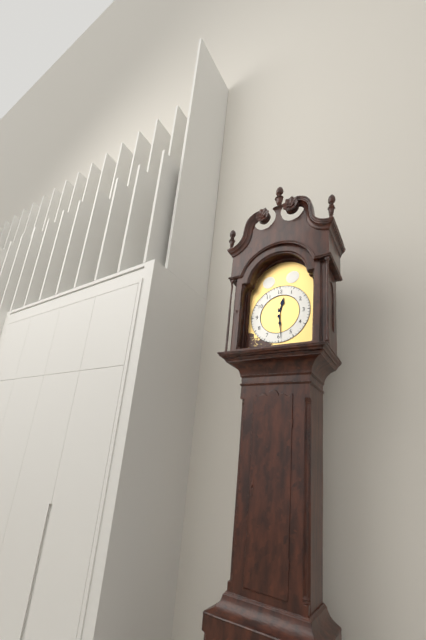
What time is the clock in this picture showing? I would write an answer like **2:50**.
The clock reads **12:29**
